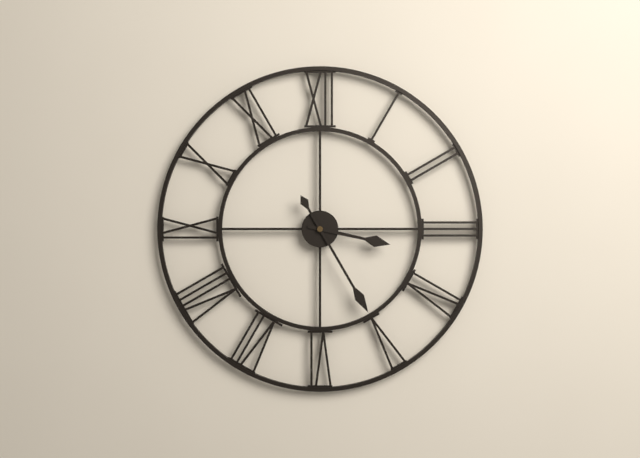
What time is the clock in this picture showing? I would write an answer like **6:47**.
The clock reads **3:25**
